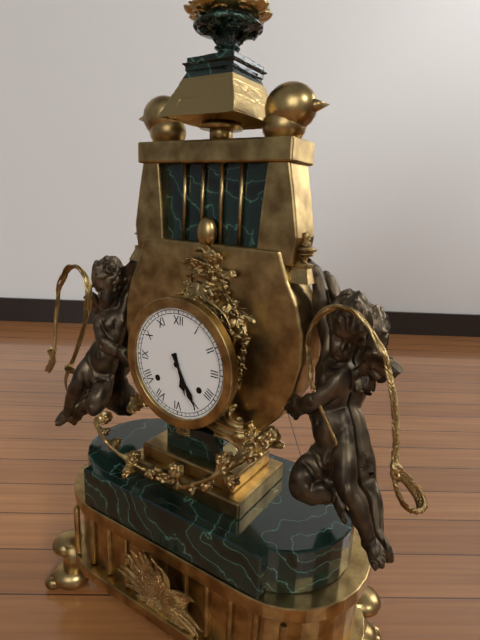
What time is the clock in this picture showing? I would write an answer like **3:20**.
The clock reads **5:25**
